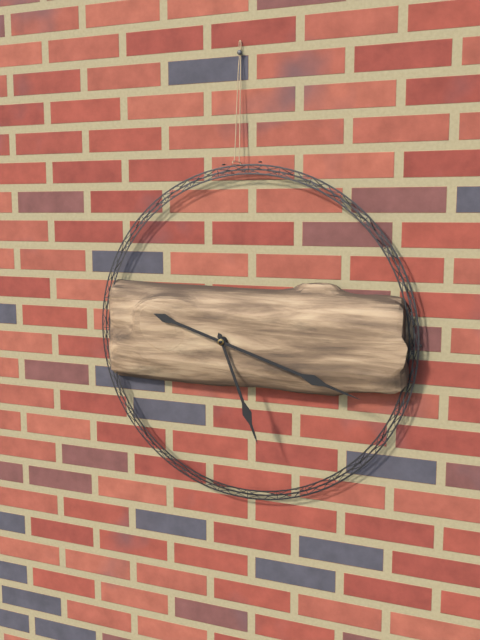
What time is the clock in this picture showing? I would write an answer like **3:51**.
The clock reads **5:18**
